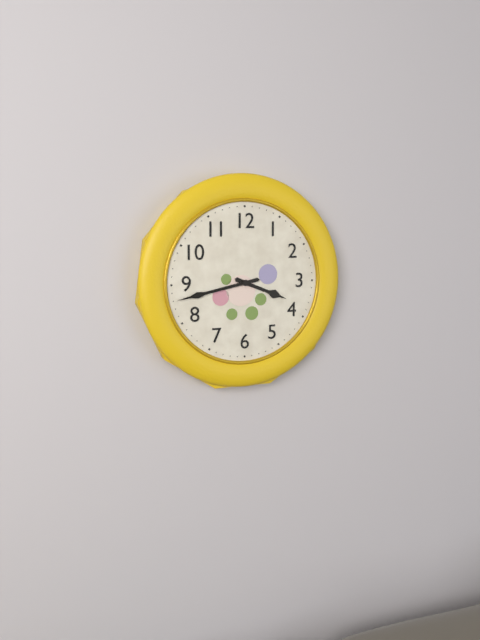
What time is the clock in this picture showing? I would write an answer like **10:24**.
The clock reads **3:43**
